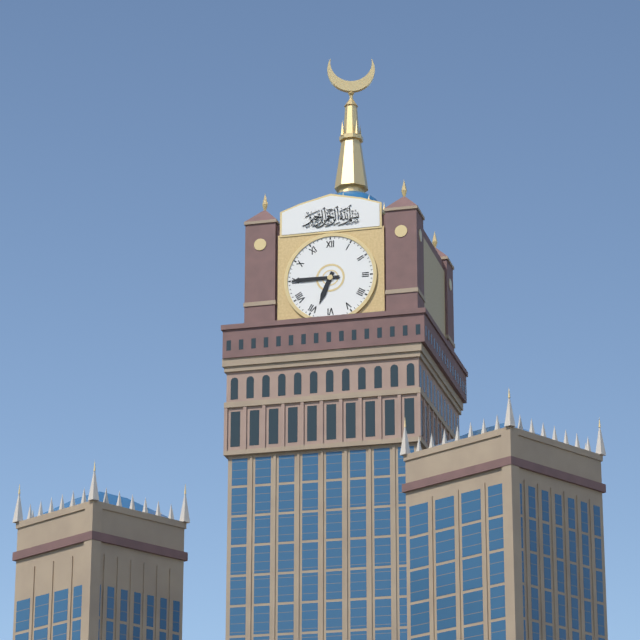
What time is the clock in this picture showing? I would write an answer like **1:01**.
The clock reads **6:45**
